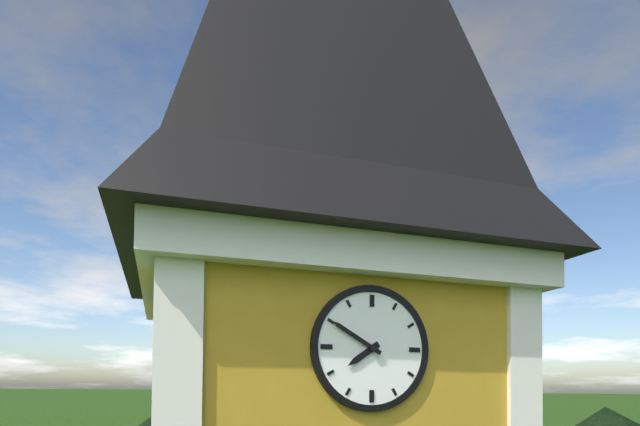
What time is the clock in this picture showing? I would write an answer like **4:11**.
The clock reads **7:50**
